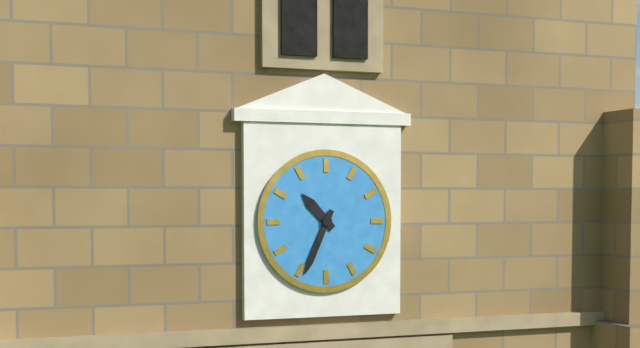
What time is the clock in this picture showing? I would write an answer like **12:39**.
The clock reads **10:34**
